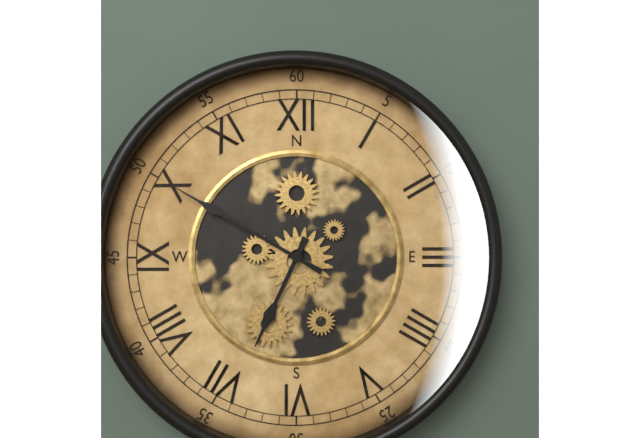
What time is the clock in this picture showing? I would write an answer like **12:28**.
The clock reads **6:50**
